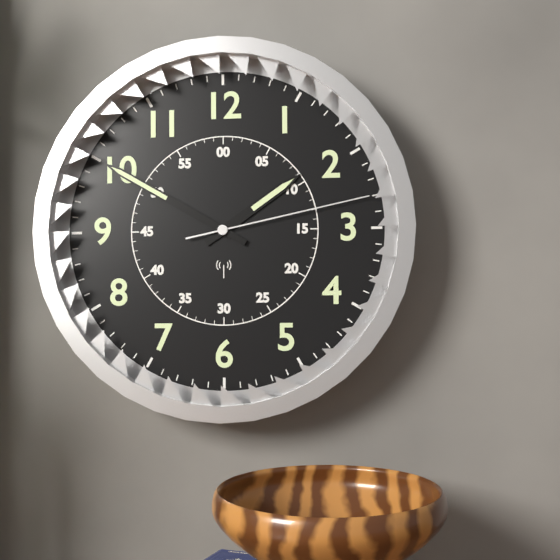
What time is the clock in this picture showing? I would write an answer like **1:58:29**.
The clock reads **1:50:13**
